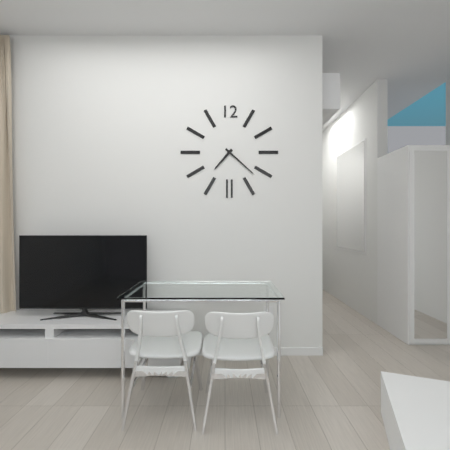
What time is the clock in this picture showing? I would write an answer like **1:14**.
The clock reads **7:22**
